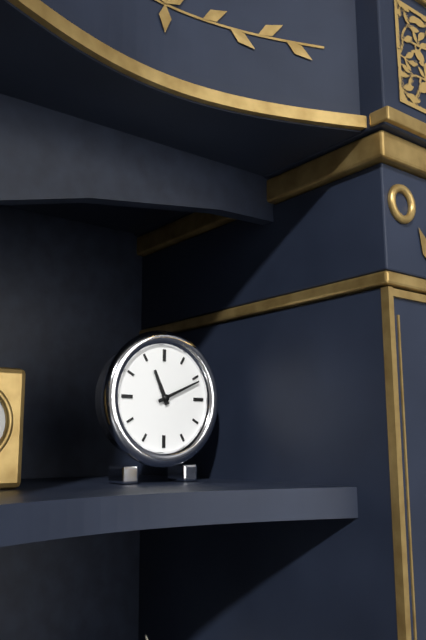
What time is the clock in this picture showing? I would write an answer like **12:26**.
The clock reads **11:11**
